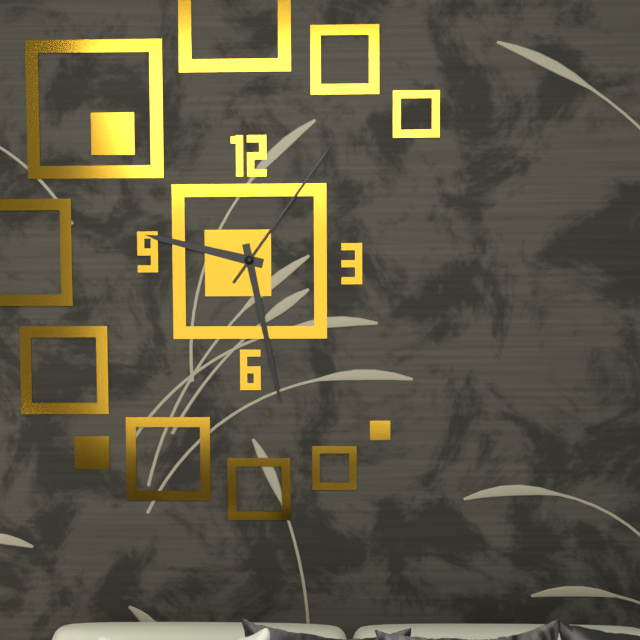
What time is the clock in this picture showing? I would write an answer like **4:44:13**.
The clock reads **9:28:06**
